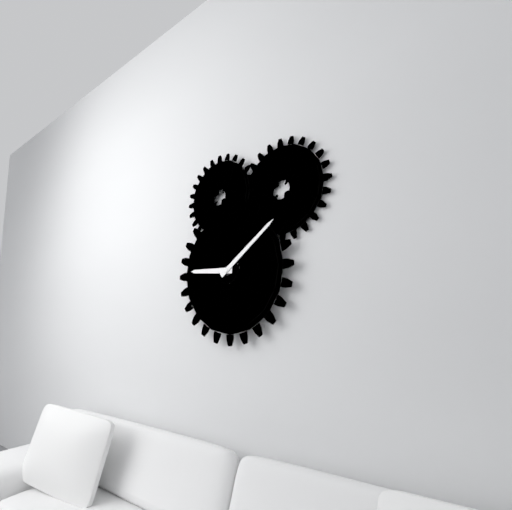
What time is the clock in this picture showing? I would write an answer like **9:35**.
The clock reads **9:09**
